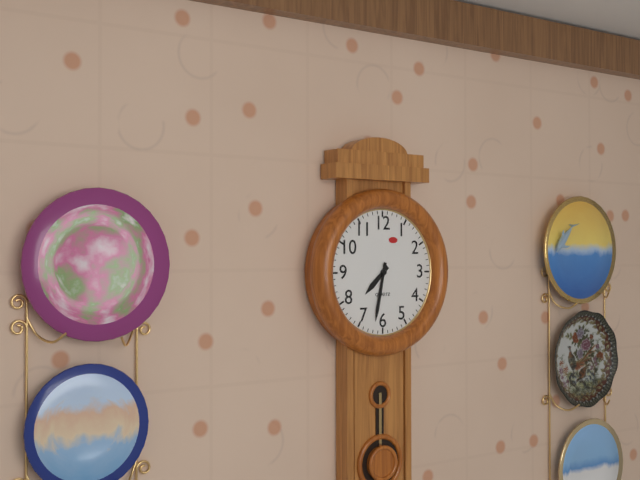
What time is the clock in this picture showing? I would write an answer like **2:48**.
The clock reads **7:32**
